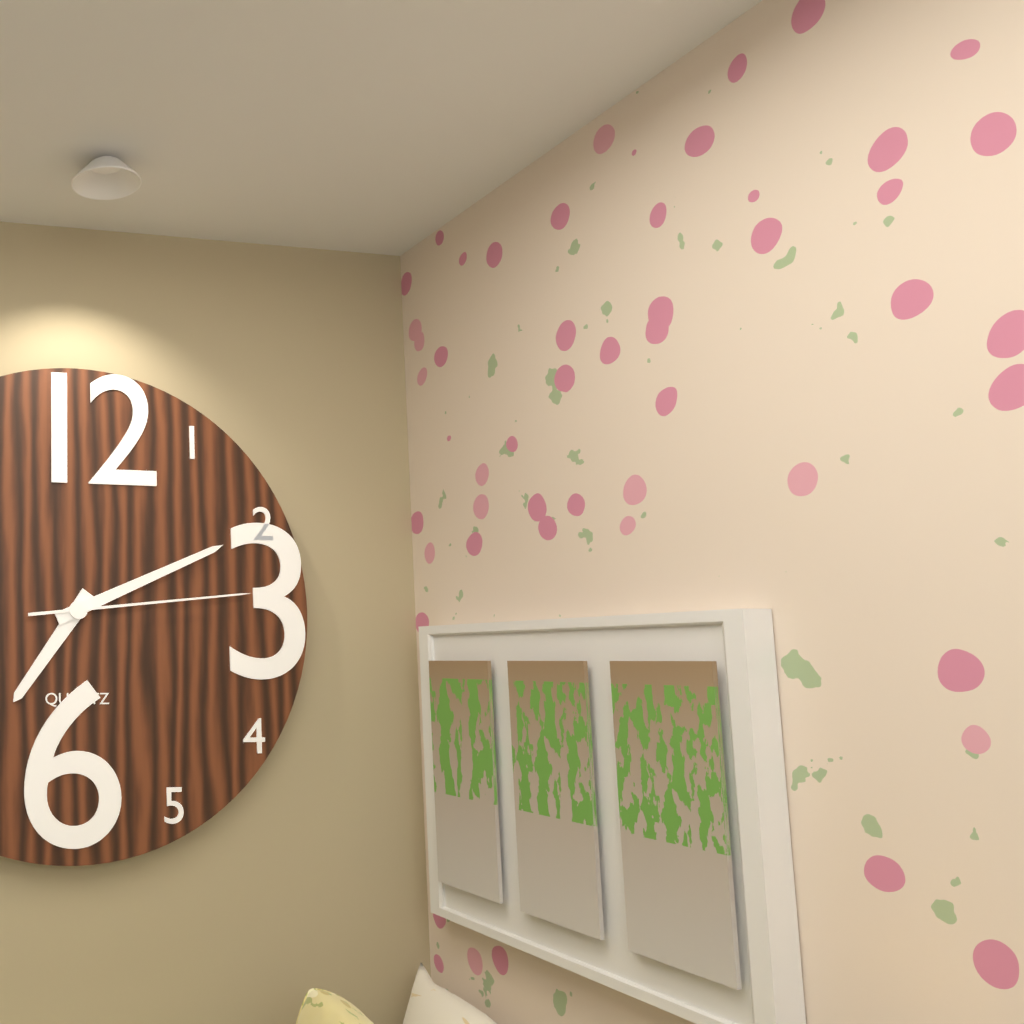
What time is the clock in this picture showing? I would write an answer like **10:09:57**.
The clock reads **7:11:14**
